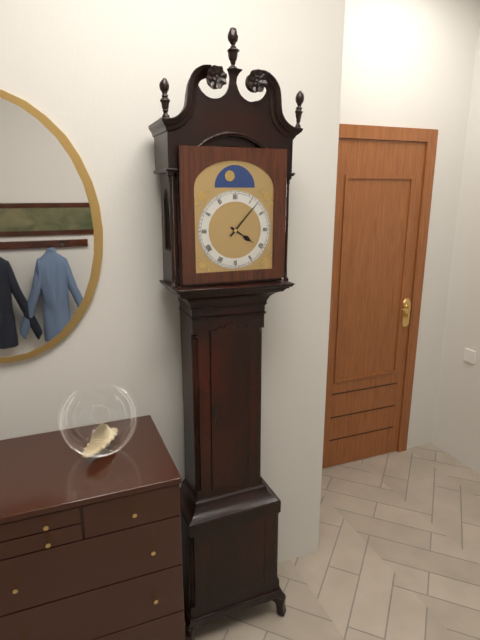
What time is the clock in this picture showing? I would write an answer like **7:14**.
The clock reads **4:07**
